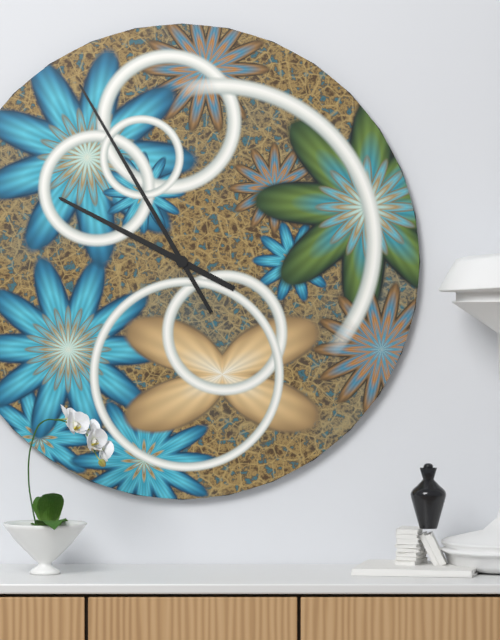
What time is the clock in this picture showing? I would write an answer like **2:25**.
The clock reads **9:55**
